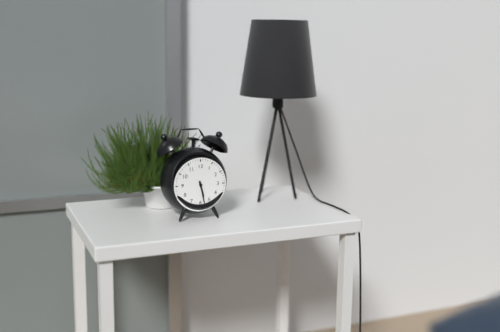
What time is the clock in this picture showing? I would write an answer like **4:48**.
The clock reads **5:28**
